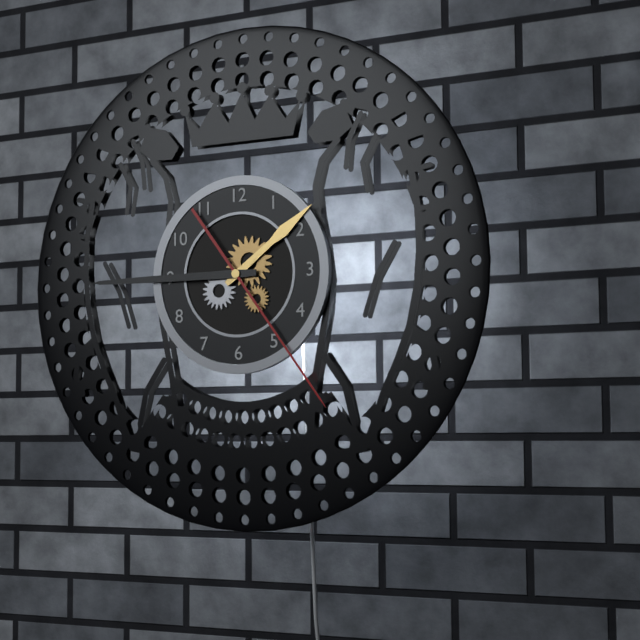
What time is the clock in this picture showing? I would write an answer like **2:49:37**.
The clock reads **1:45:24**
